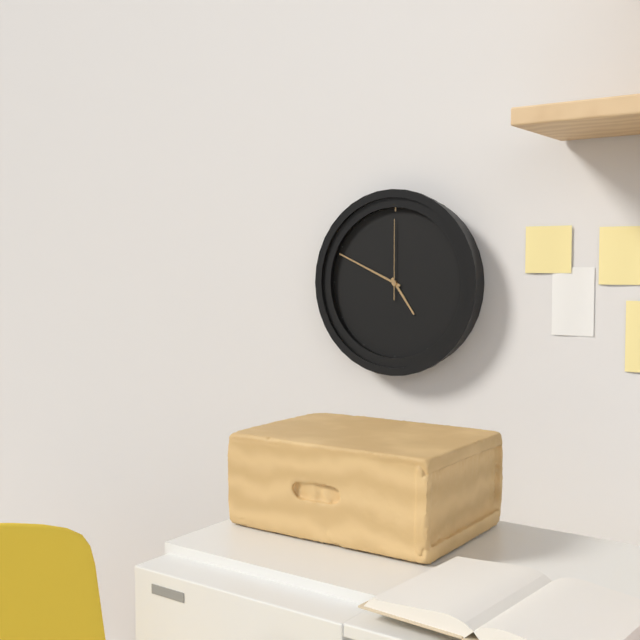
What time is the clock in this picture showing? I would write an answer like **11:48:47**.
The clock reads **4:49:00**
